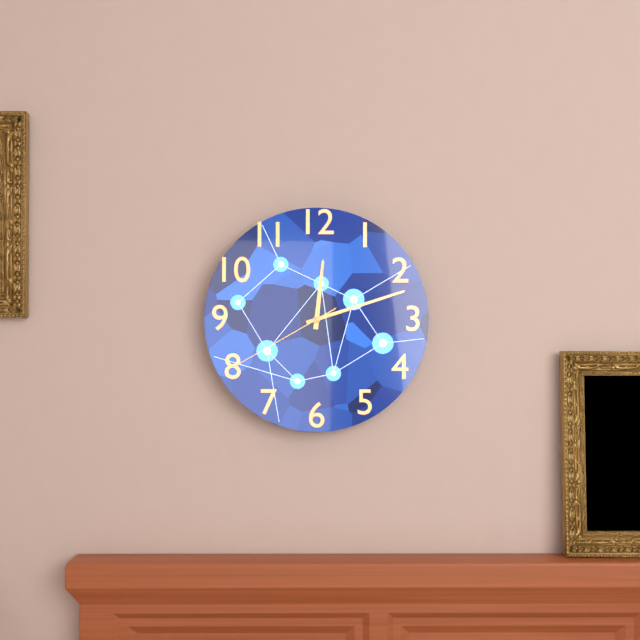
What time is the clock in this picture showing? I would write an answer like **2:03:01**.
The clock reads **12:12:40**
